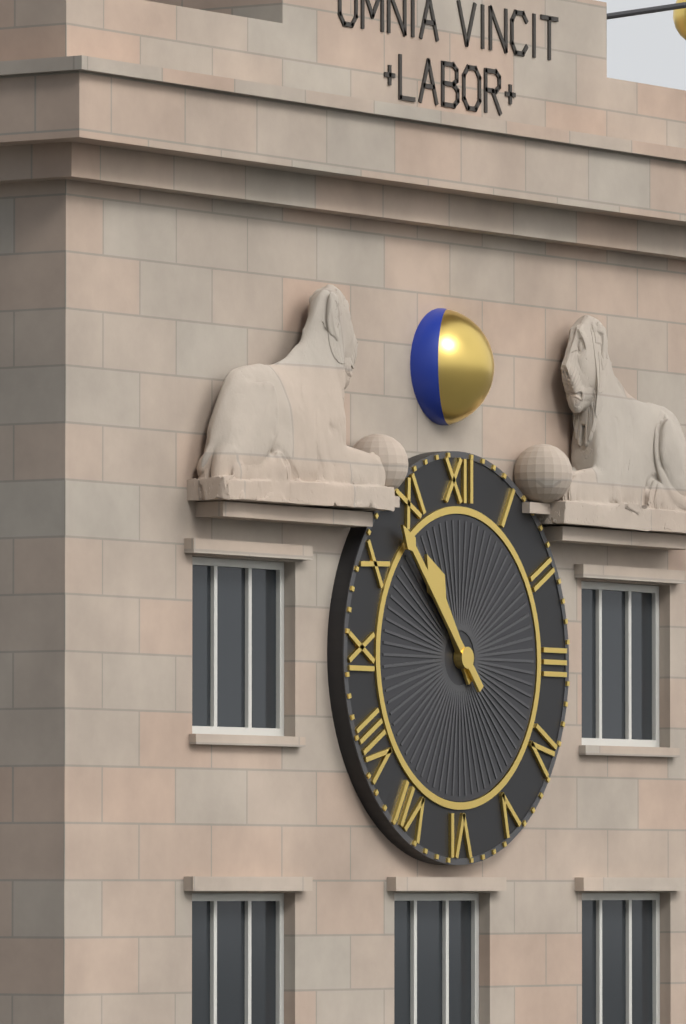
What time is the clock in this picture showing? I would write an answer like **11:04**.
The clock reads **10:53**
